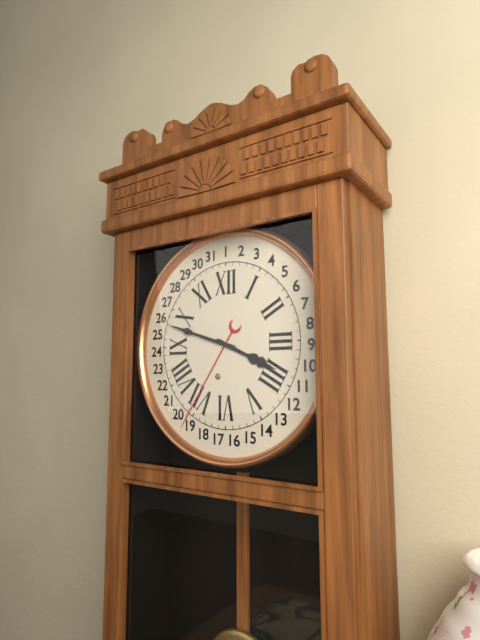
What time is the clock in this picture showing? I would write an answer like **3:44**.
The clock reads **3:48**
